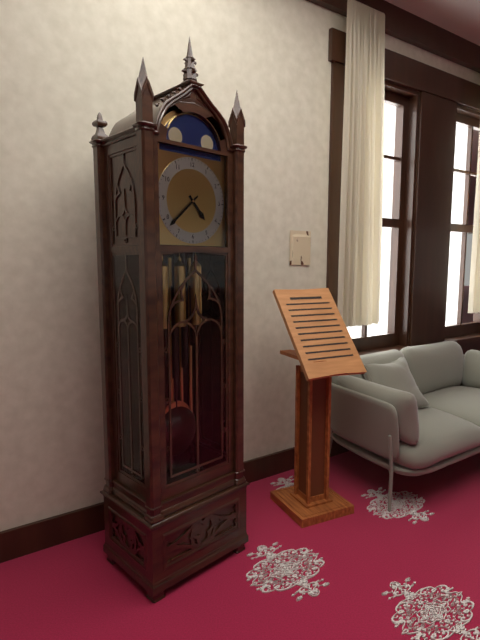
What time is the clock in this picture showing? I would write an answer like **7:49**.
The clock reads **4:38**
